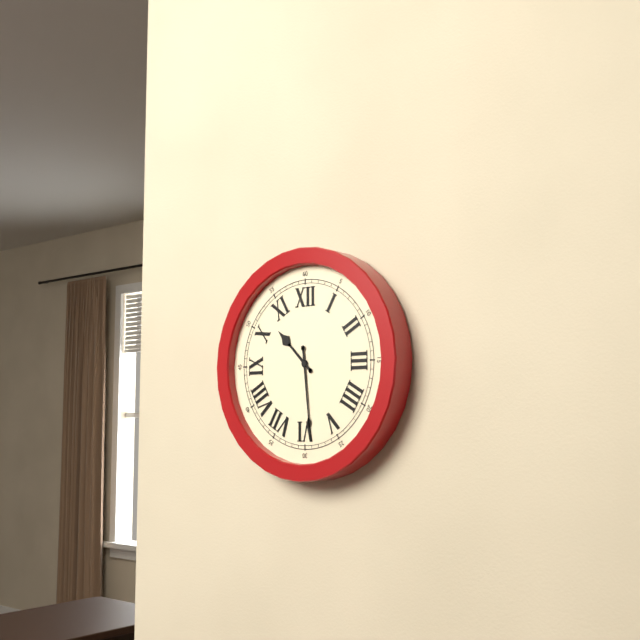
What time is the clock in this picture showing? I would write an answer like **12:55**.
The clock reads **10:29**
